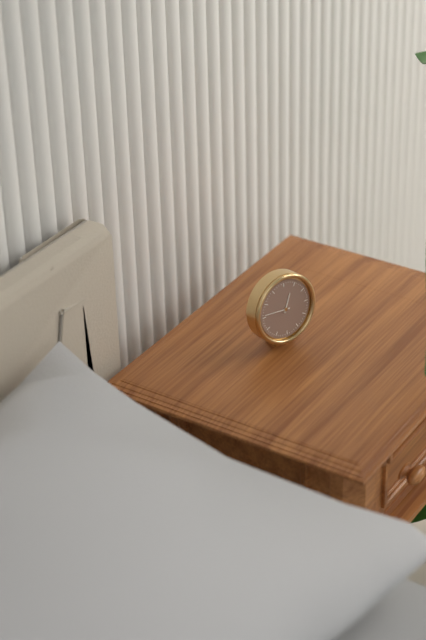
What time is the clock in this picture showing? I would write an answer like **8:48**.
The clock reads **12:46**
